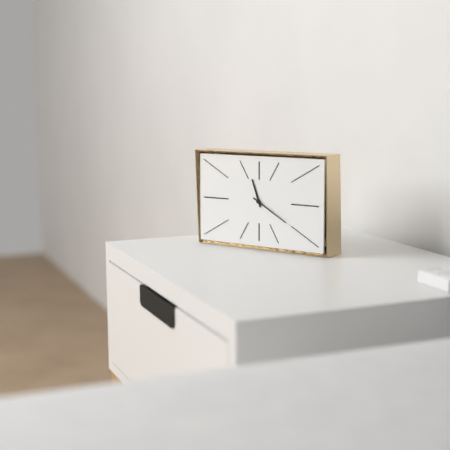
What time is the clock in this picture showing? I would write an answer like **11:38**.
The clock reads **11:20**
